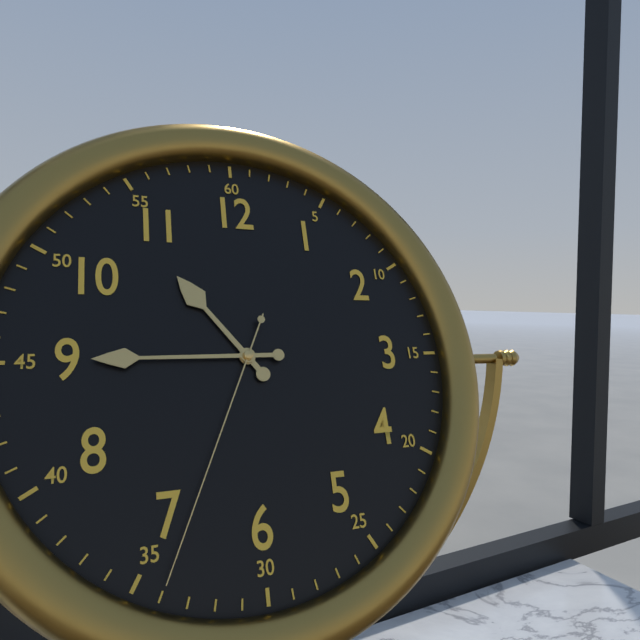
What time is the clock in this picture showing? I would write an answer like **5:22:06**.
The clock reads **10:45:34**
